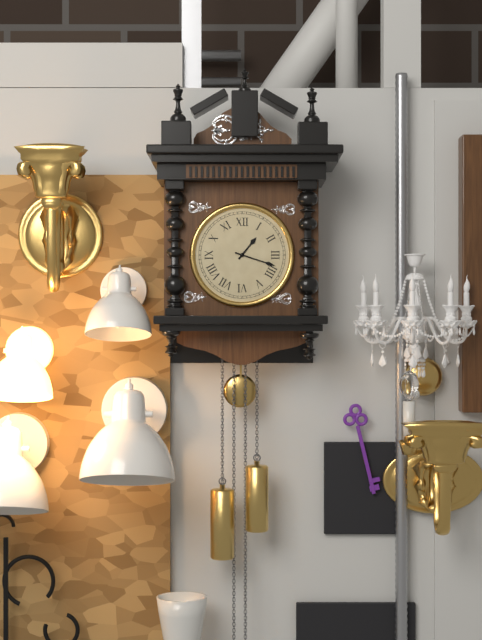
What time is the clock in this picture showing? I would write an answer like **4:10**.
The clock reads **1:18**
